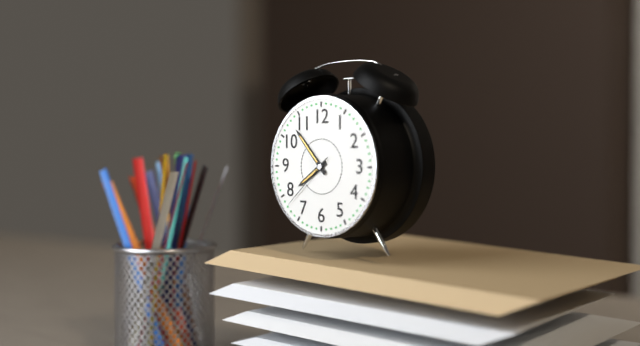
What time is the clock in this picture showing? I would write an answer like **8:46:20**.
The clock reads **7:53:38**
